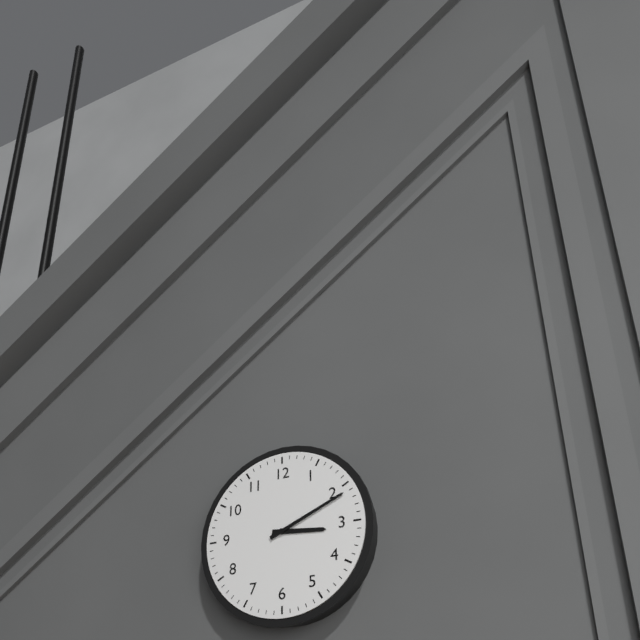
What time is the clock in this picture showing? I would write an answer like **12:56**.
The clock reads **3:11**
